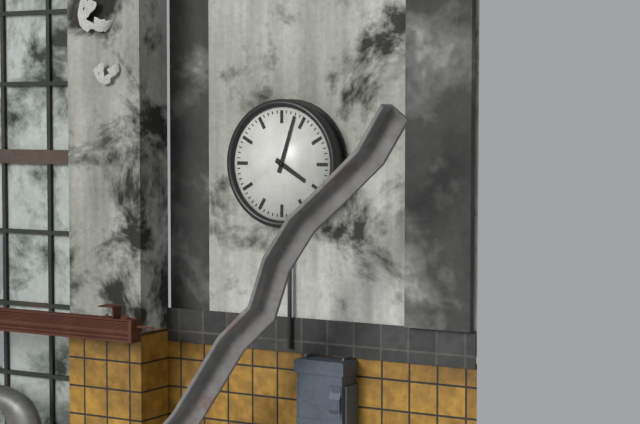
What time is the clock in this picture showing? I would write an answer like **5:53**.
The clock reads **4:03**
